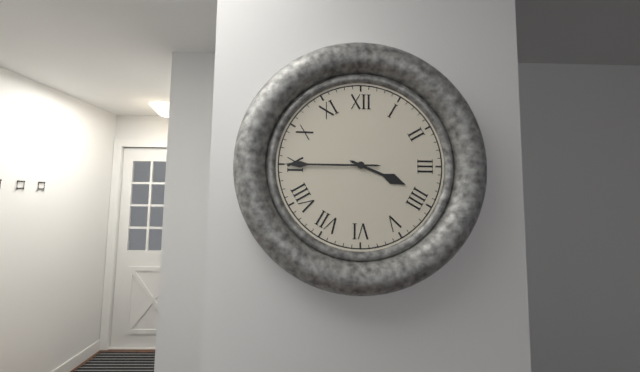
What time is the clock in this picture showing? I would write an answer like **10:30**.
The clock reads **3:45**
